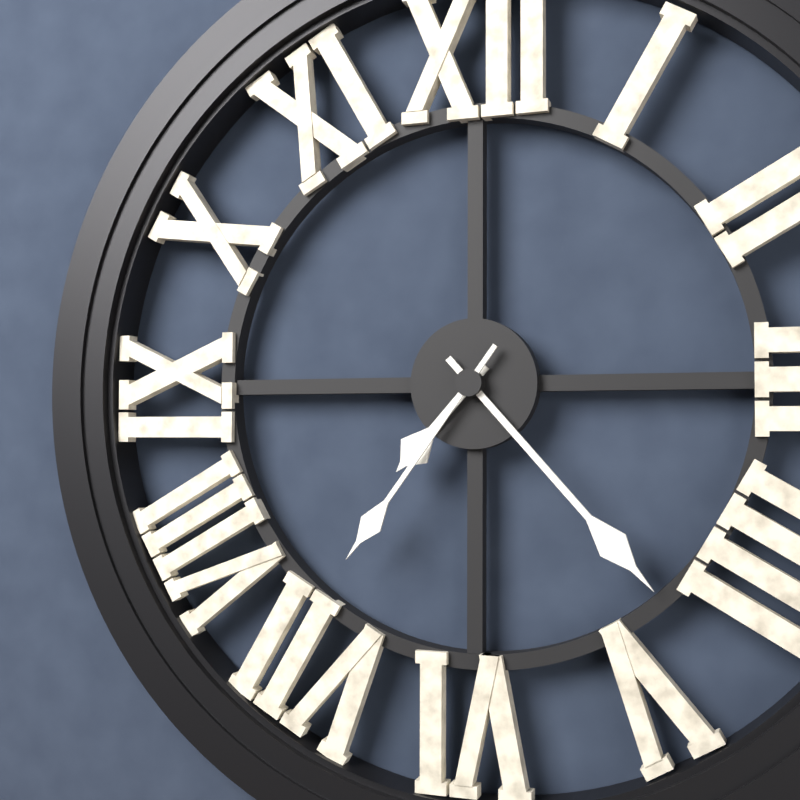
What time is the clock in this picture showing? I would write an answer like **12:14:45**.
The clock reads **7:23:36**
